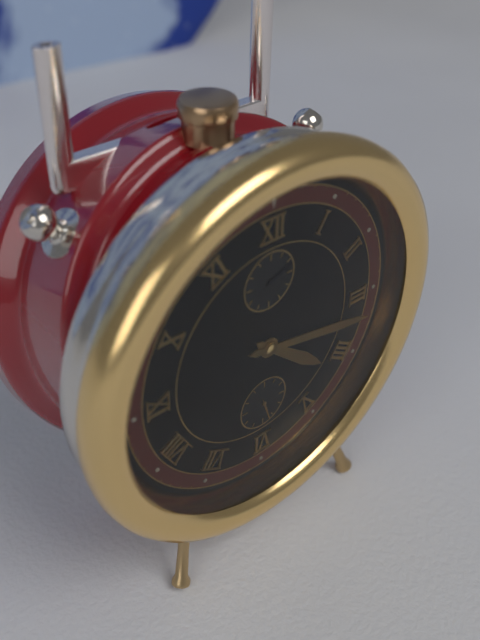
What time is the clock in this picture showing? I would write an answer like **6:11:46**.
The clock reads **4:17:27**
